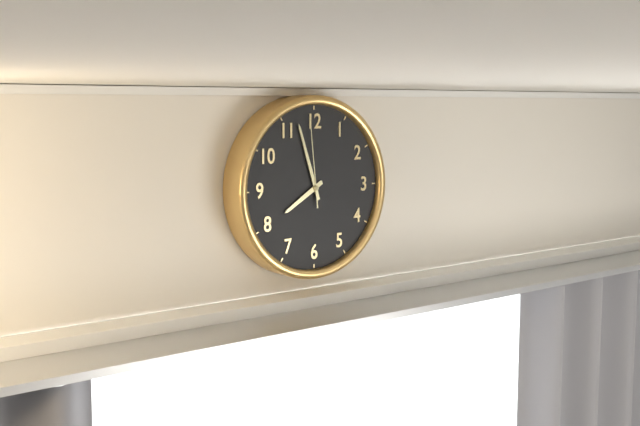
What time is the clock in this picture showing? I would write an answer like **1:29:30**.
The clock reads **7:57:59**
